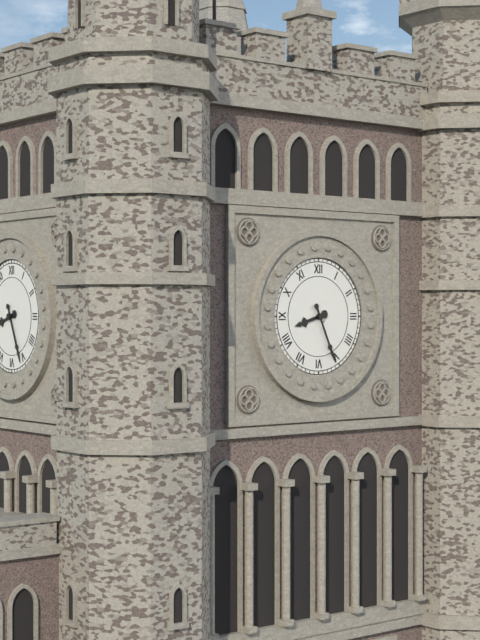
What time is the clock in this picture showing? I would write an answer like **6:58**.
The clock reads **8:26**
